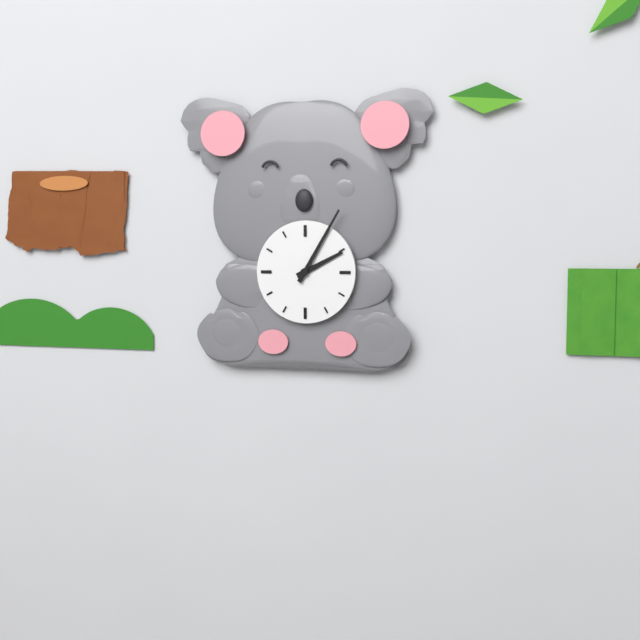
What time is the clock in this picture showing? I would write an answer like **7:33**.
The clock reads **2:05**
